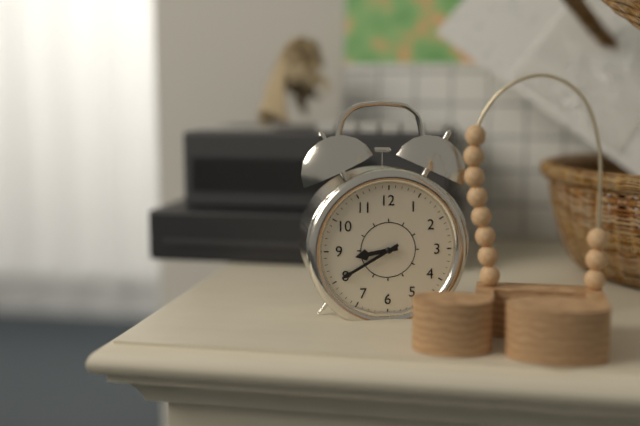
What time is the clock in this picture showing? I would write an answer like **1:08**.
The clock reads **8:40**
